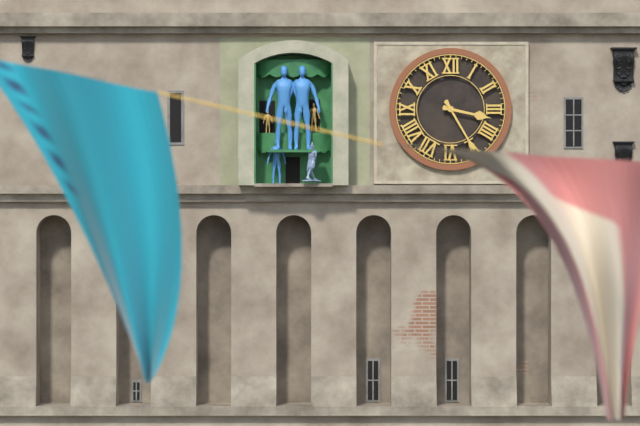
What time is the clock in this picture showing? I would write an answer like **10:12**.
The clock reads **3:25**
